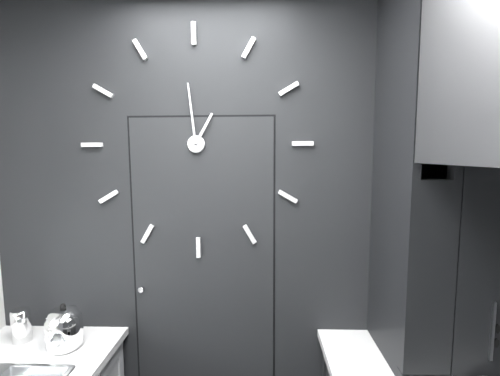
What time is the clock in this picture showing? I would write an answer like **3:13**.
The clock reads **12:59**
